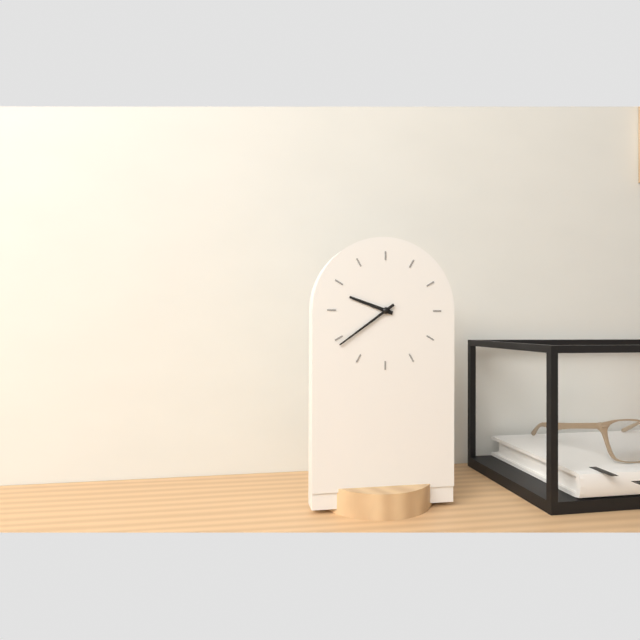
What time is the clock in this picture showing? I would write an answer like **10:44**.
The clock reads **9:39**
